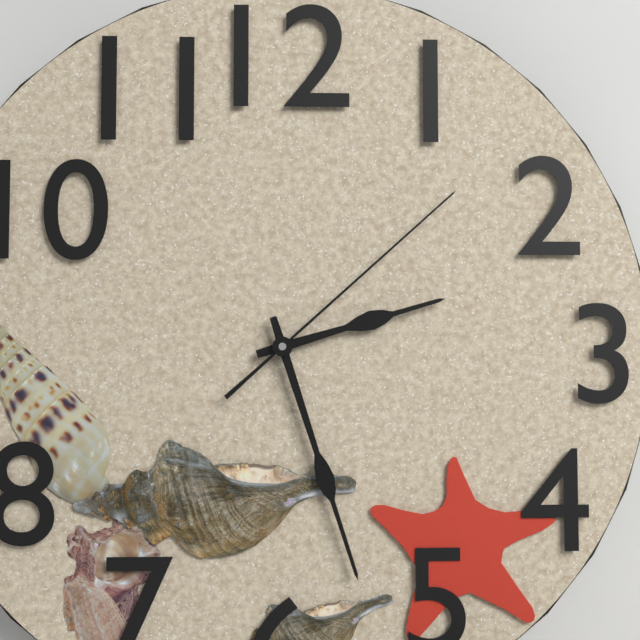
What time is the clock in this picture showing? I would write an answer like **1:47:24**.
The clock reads **2:27:08**
